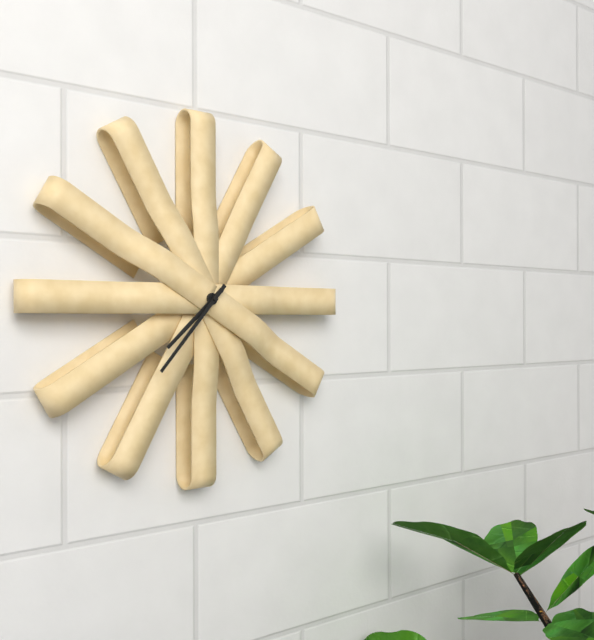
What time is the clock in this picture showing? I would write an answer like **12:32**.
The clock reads **7:37**
